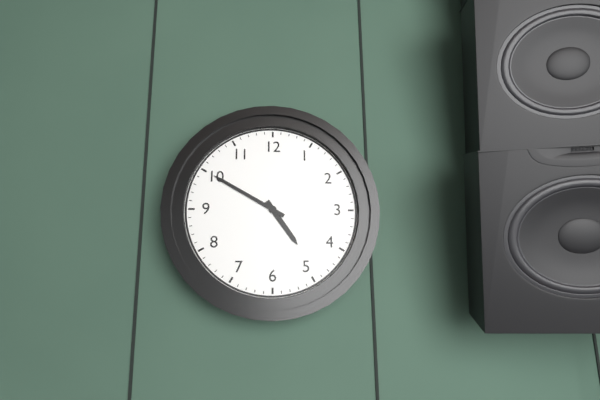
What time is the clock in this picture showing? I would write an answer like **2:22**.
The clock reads **4:50**
